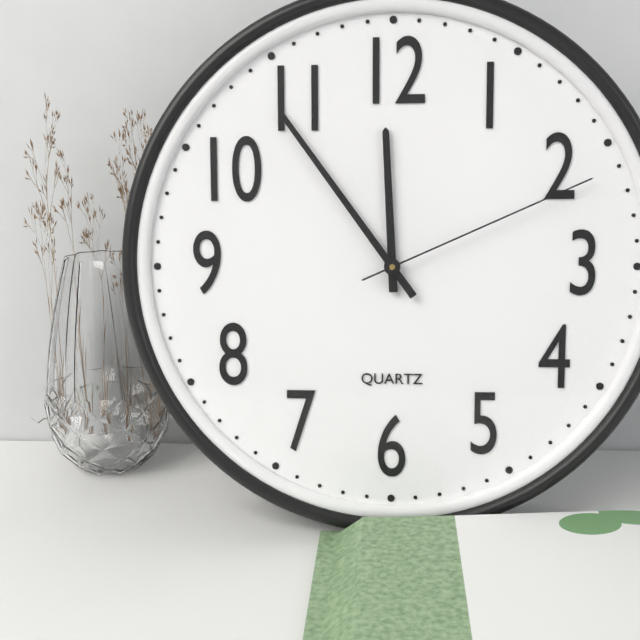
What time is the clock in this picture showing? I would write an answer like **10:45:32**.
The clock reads **11:54:11**
